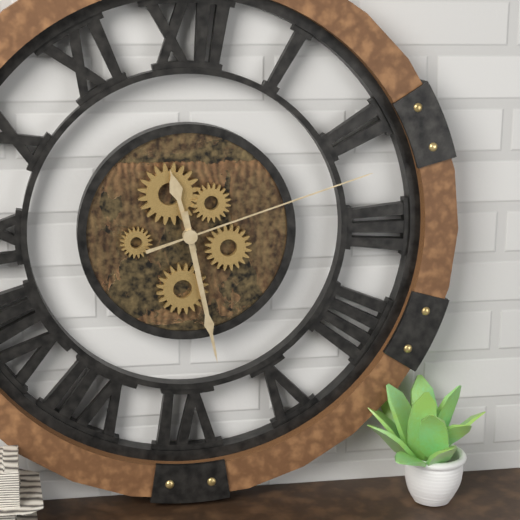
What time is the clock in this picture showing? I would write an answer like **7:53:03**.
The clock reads **11:28:12**
